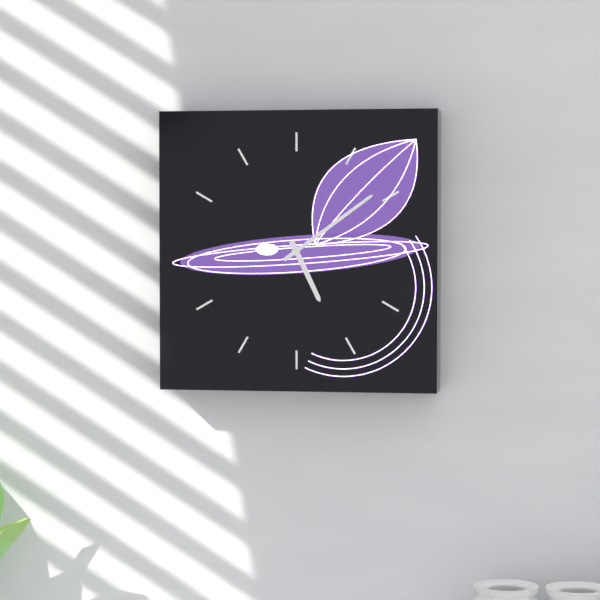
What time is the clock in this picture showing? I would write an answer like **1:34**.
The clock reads **5:09**
